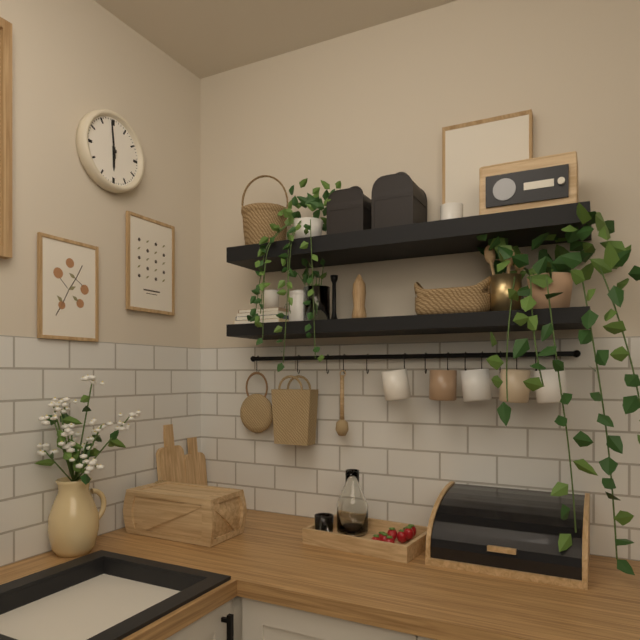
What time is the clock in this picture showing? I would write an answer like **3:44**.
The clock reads **5:59**
